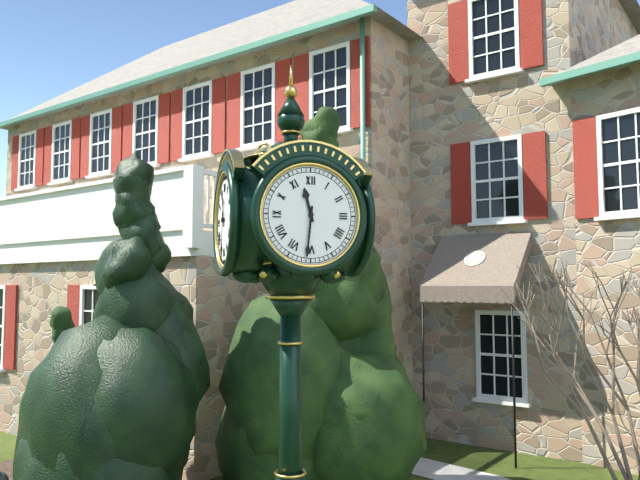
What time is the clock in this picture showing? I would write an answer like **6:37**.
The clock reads **11:31**
